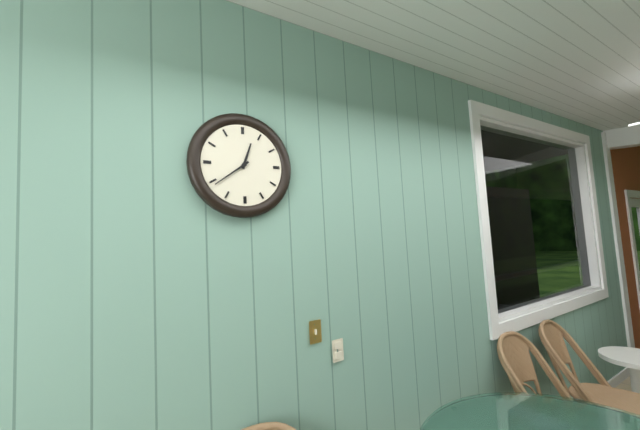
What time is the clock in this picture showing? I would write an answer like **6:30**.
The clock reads **12:39**
